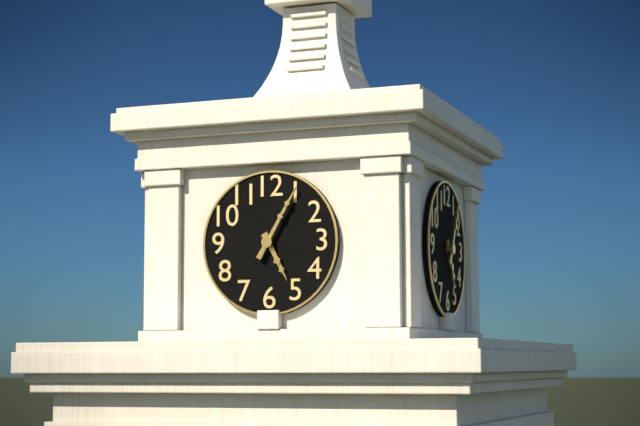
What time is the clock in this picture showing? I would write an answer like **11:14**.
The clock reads **5:05**
